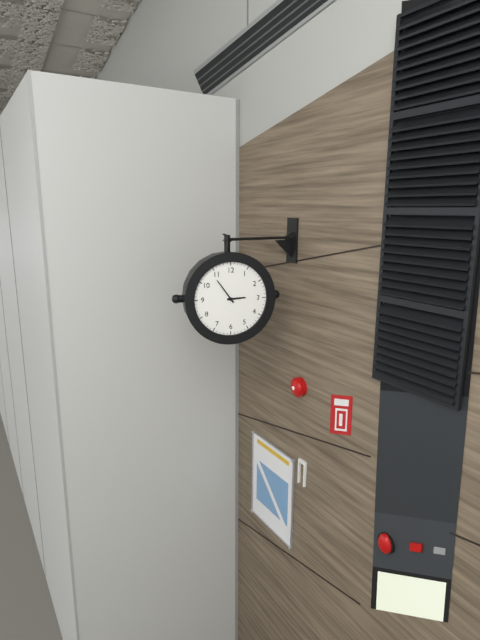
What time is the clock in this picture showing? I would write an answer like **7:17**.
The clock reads **2:54**
